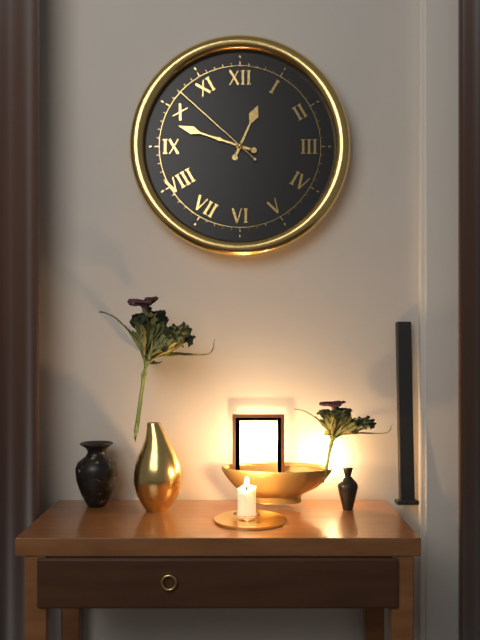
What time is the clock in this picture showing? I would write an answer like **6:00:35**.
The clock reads **12:48:52**
